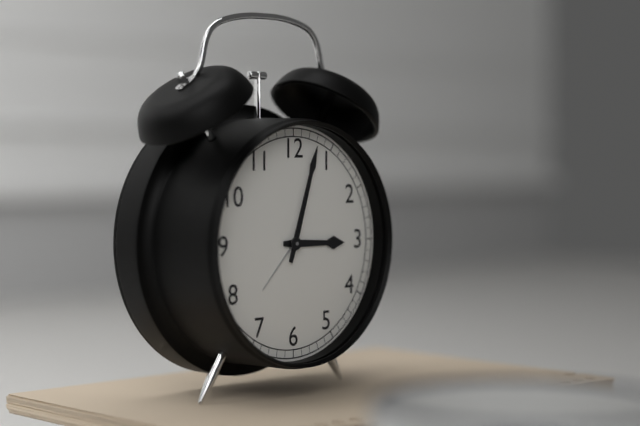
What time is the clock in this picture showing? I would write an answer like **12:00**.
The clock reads **3:03**
